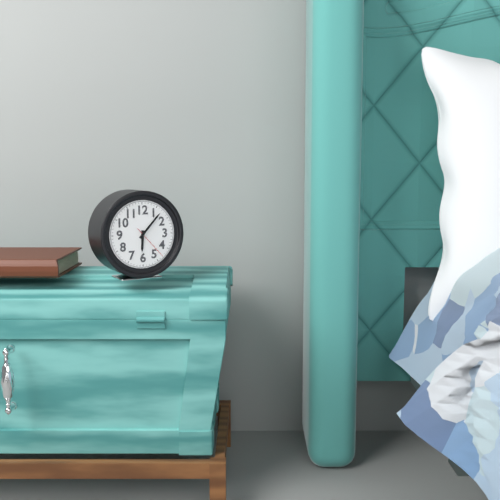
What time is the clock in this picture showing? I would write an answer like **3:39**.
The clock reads **6:07**
